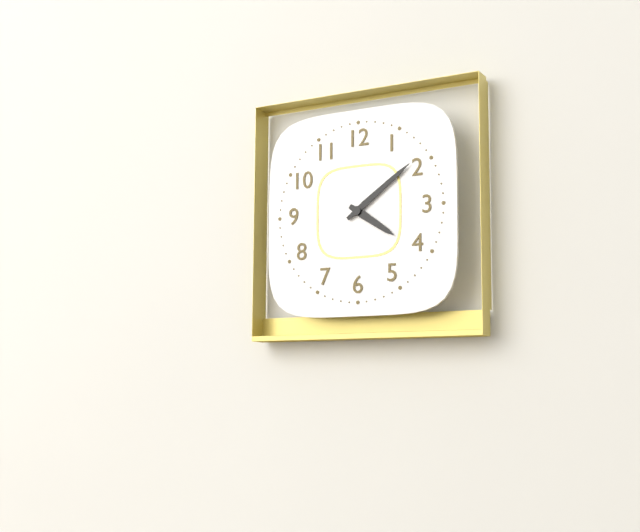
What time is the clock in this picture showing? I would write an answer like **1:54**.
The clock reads **4:09**
